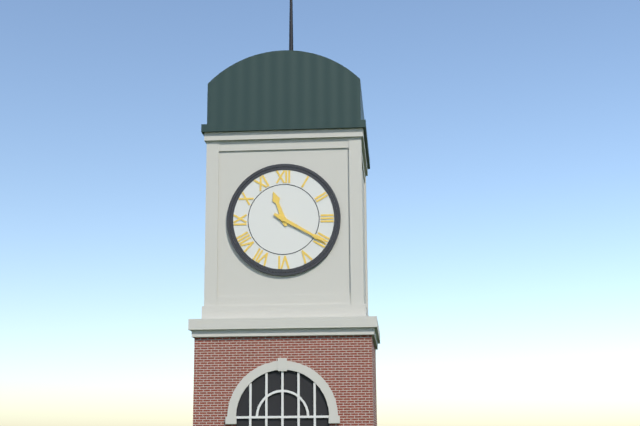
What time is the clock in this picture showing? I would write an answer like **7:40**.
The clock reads **11:20**
